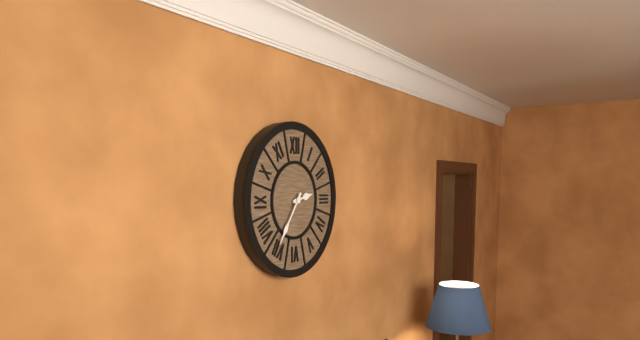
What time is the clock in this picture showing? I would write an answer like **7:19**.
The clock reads **2:36**
